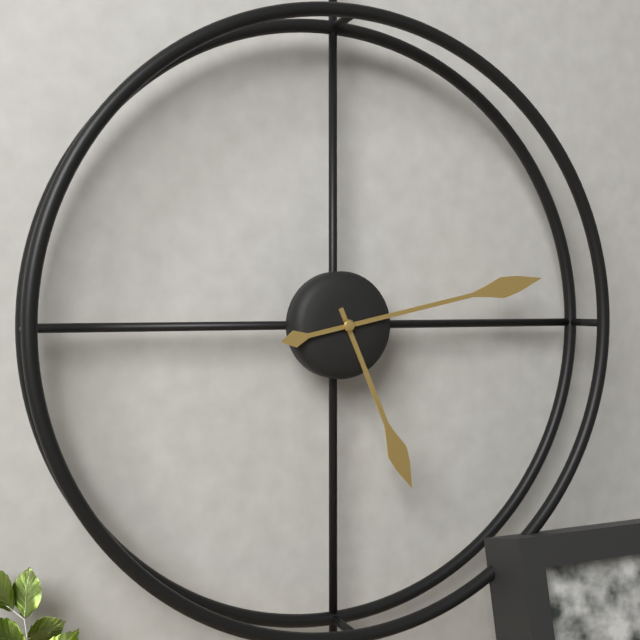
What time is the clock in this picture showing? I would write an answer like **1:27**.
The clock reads **5:13**
